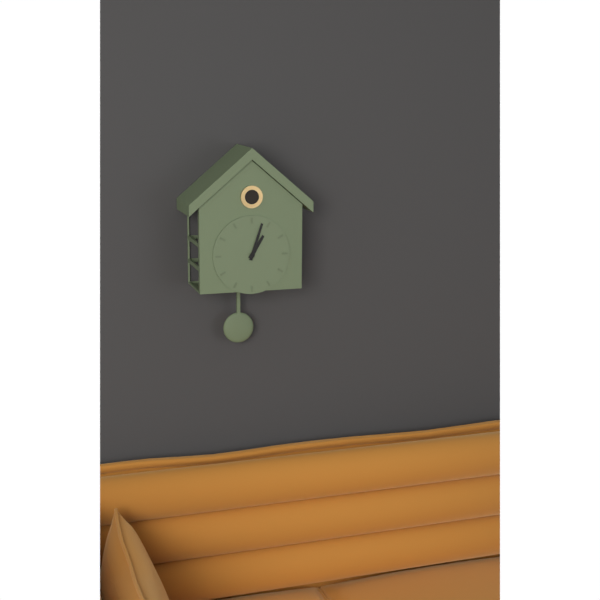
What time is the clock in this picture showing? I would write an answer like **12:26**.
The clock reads **1:03**
